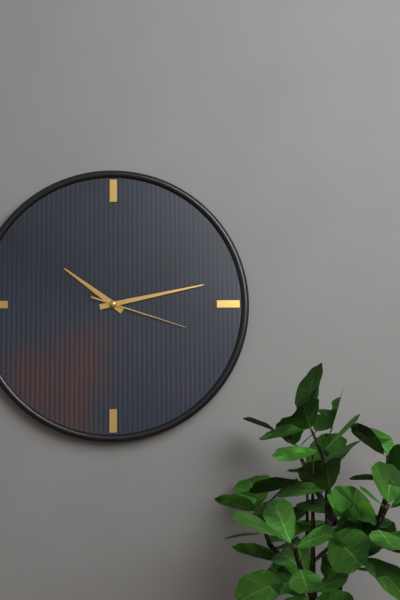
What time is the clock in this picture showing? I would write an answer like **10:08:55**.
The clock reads **10:13:18**
